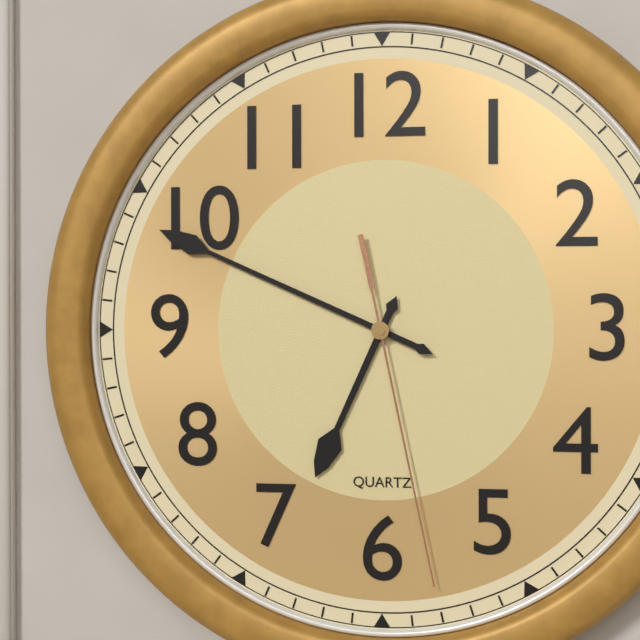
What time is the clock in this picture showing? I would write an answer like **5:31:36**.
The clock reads **6:49:28**
